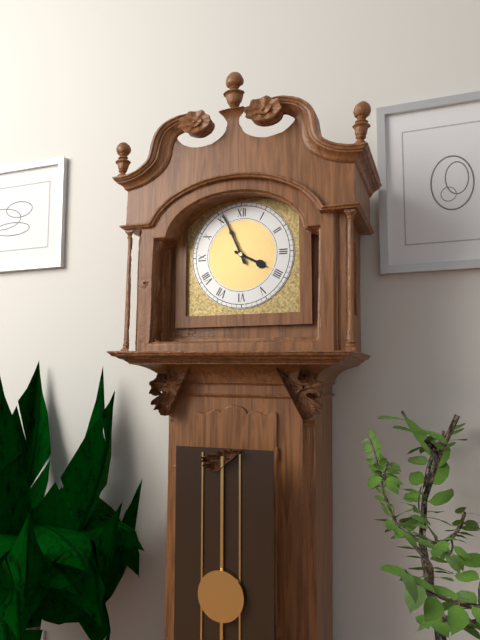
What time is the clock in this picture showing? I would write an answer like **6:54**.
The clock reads **3:56**
